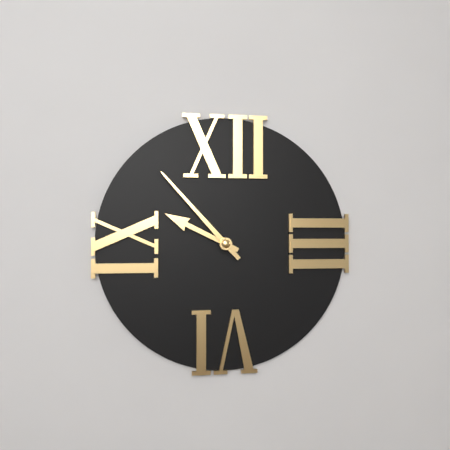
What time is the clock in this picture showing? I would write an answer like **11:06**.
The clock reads **9:53**
